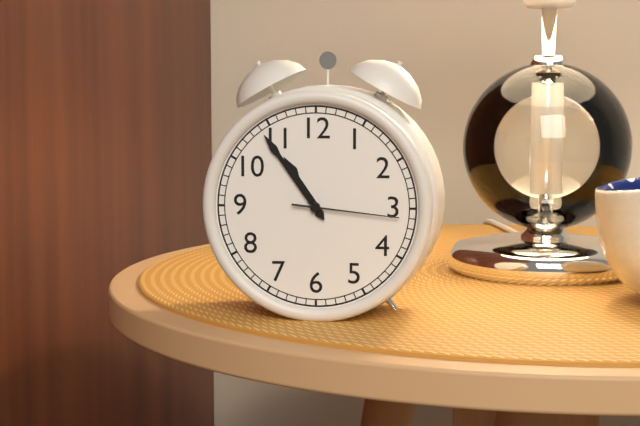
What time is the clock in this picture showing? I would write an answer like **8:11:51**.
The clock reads **10:54:16**
